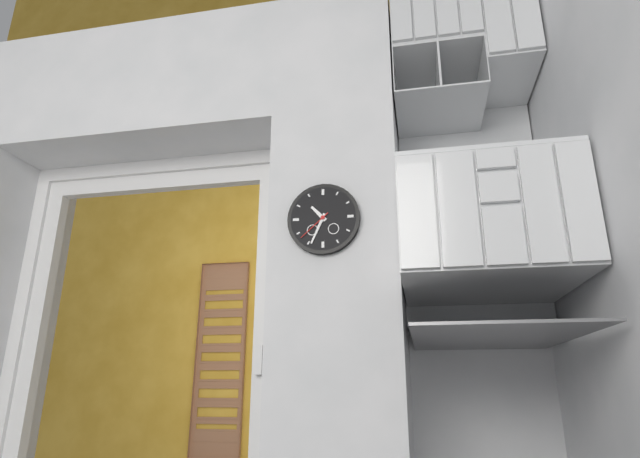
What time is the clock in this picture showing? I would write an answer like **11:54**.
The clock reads **10:34**
